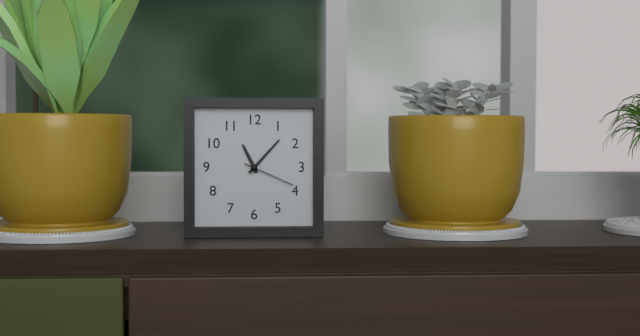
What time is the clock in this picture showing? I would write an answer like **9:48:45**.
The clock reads **11:07:19**
